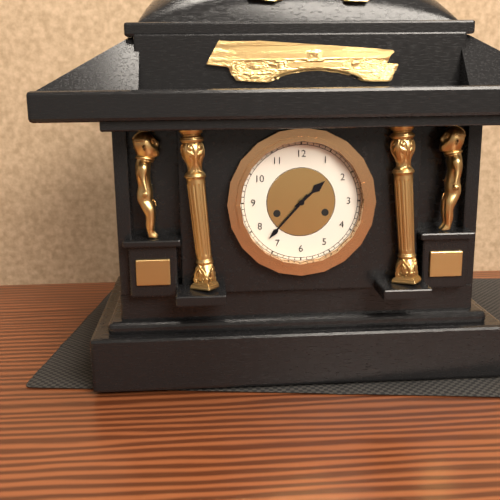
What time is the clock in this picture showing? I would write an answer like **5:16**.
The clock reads **1:37**
